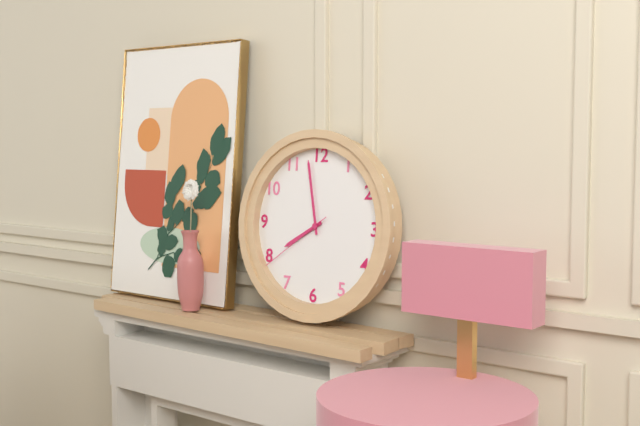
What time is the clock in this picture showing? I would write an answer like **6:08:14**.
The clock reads **7:58:39**
